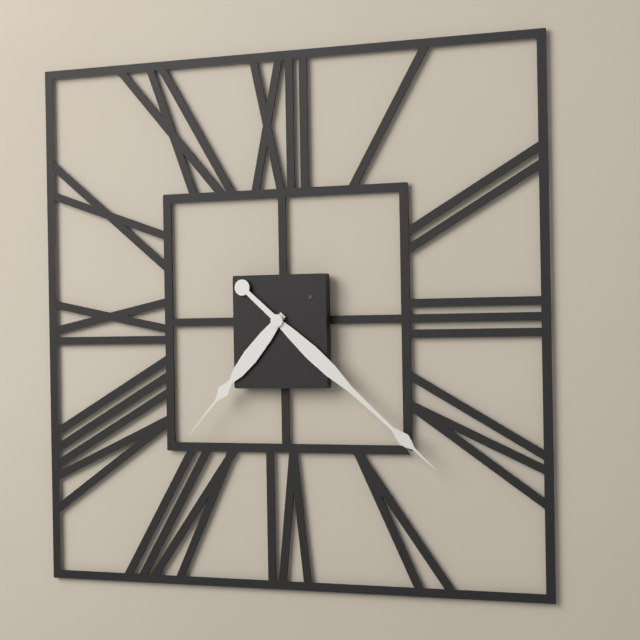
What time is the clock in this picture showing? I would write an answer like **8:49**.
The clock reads **7:22**
